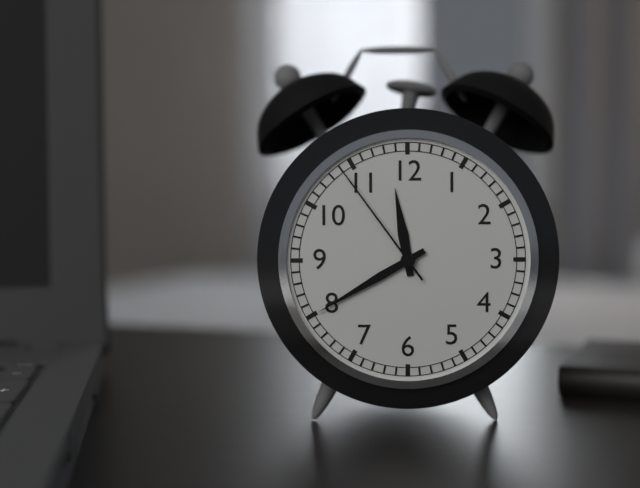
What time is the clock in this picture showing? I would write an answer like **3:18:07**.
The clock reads **11:40:54**
